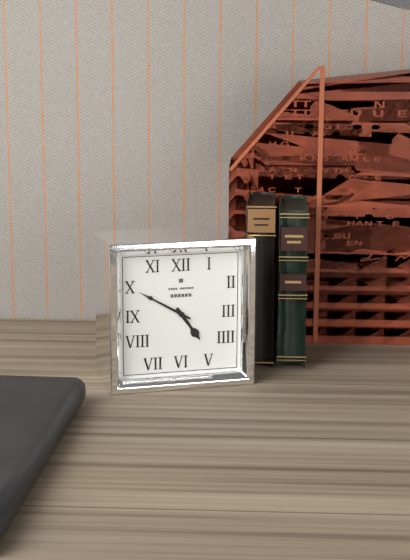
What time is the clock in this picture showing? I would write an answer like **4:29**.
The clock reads **4:50**
